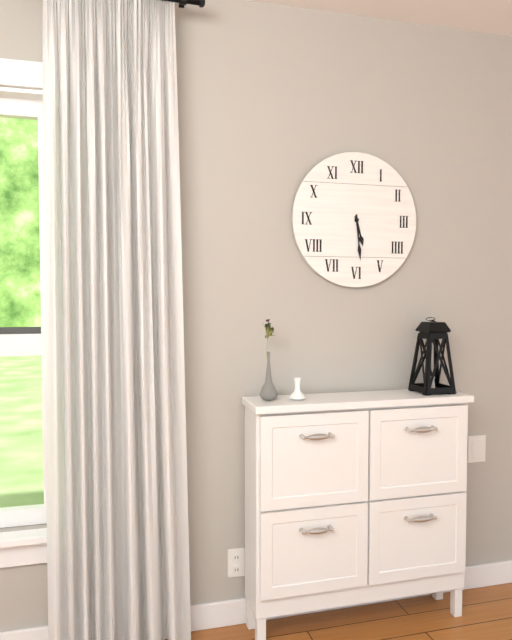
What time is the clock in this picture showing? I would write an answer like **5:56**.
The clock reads **5:29**
